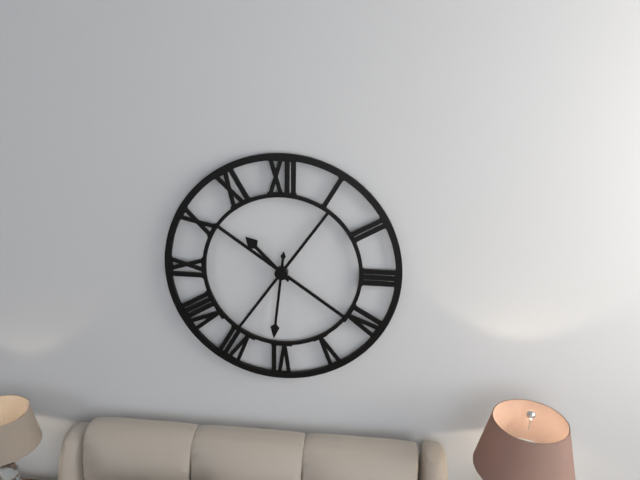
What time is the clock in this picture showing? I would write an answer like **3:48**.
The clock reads **10:31**
